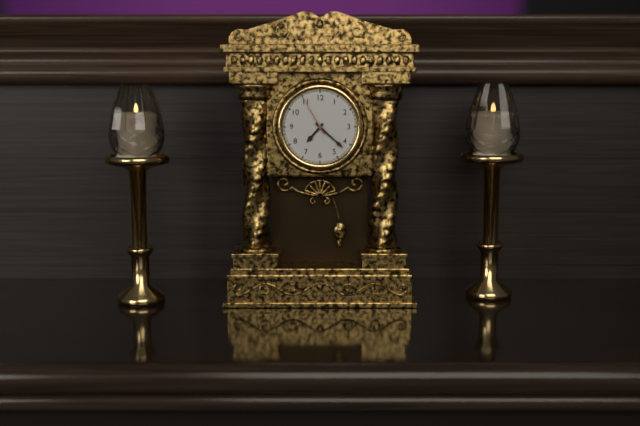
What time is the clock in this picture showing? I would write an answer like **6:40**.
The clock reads **7:22**
